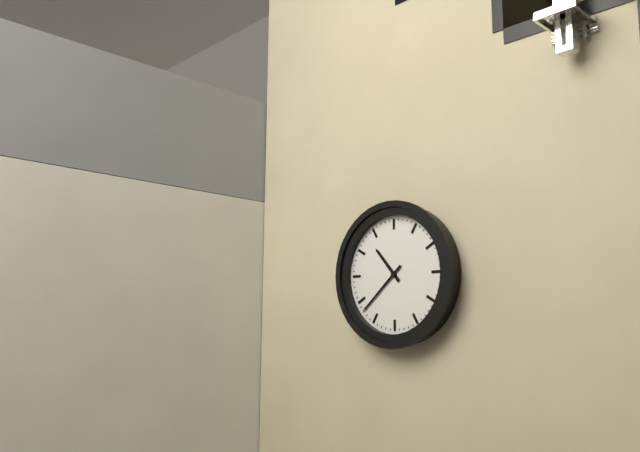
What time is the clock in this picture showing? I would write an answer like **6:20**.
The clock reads **10:38**
